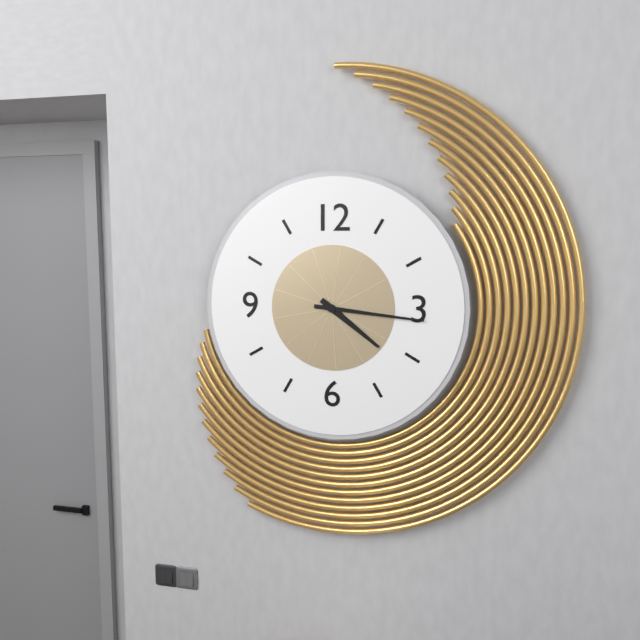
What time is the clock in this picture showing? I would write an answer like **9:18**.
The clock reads **4:16**
